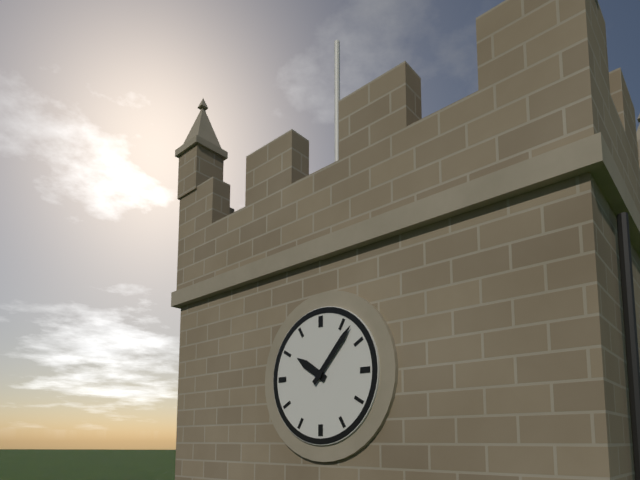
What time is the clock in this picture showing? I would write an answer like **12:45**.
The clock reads **10:07**
